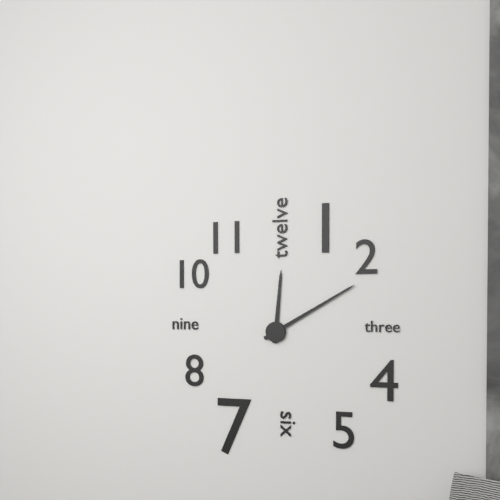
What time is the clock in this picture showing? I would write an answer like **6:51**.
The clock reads **12:10**
